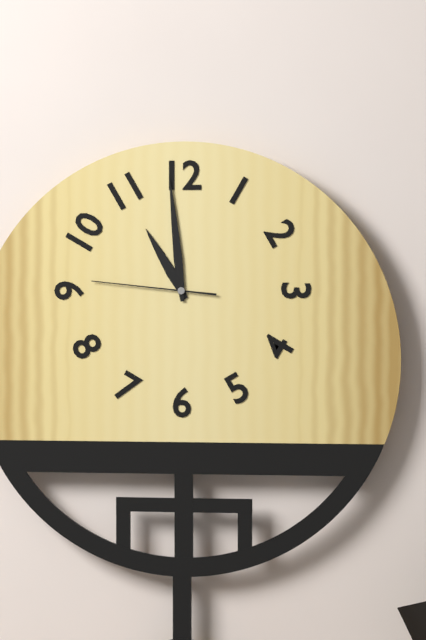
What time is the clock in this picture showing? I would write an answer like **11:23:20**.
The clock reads **10:59:46**
